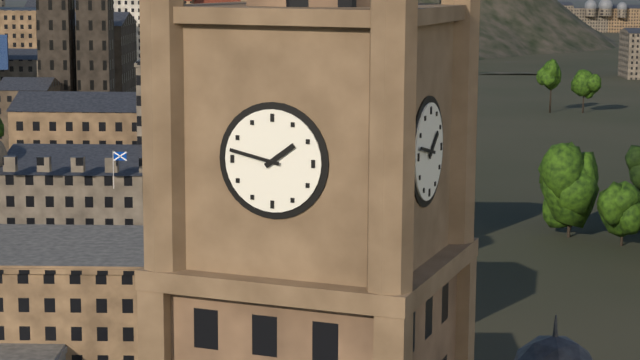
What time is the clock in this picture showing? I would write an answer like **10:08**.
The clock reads **1:47**
